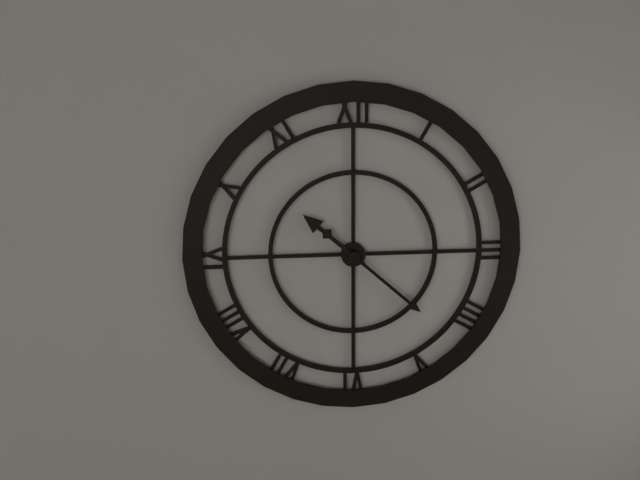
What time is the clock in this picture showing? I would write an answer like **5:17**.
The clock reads **10:22**
